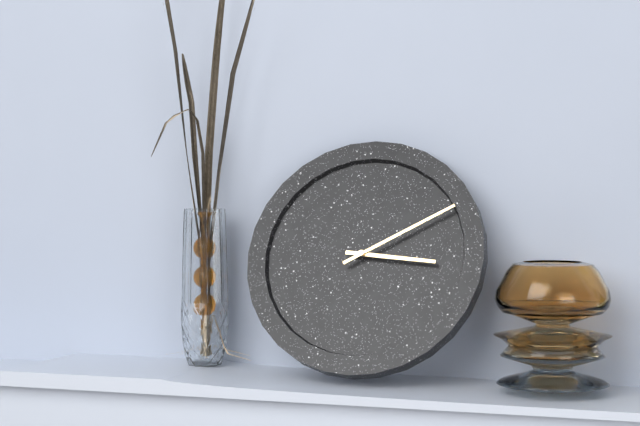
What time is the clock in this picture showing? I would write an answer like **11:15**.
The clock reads **3:10**
